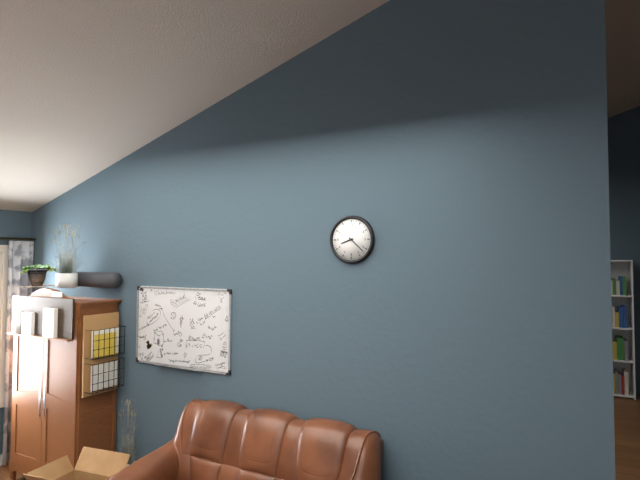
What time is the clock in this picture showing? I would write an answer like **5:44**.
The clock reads **8:22**
